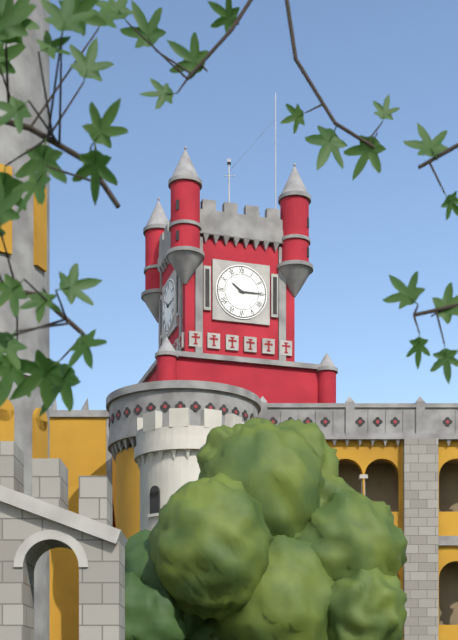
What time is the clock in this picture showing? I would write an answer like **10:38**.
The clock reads **10:15**
